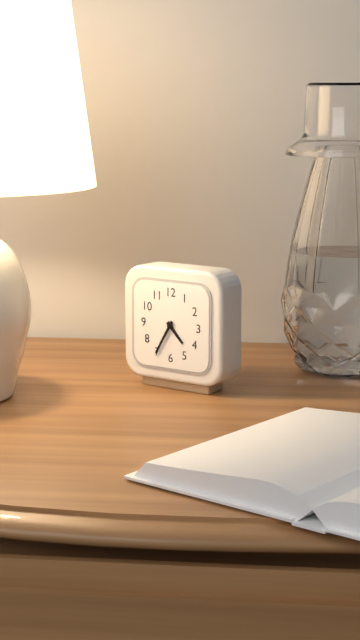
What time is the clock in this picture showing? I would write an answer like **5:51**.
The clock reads **4:35**
